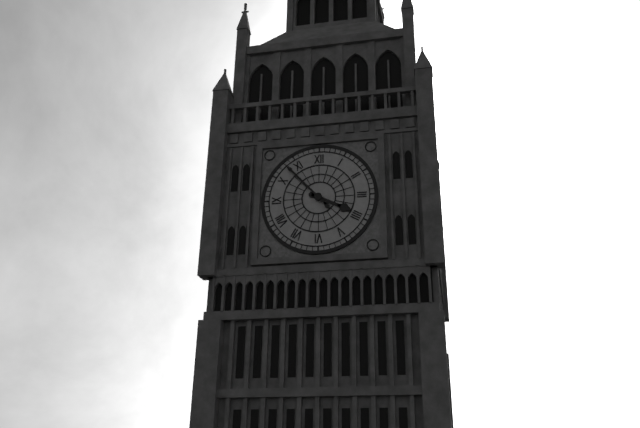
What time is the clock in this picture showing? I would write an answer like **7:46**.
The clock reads **3:53**
